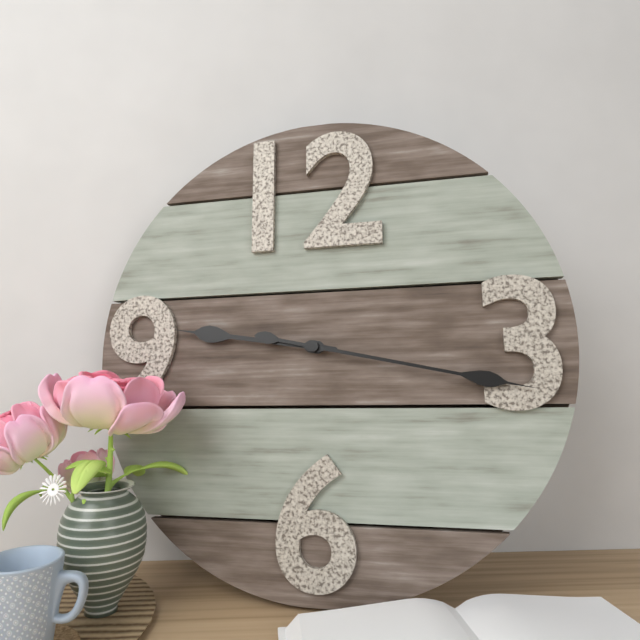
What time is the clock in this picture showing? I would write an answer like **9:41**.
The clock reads **9:17**
